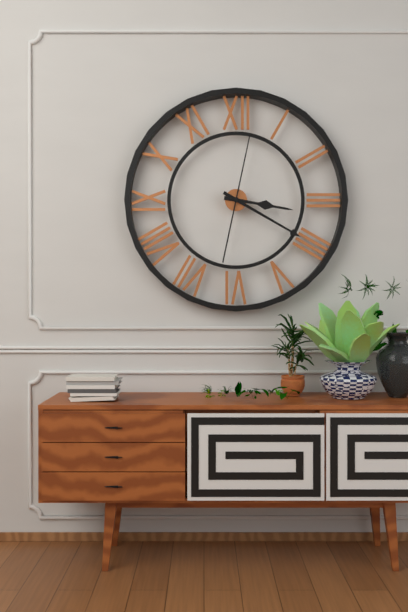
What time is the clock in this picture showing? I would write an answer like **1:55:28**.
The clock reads **3:20:02**
